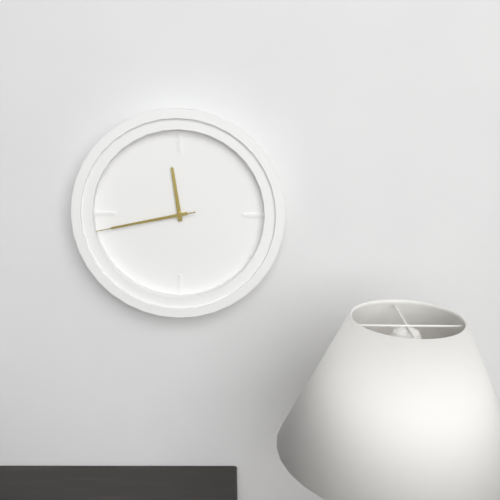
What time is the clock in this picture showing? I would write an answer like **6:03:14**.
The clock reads **11:43:43**
